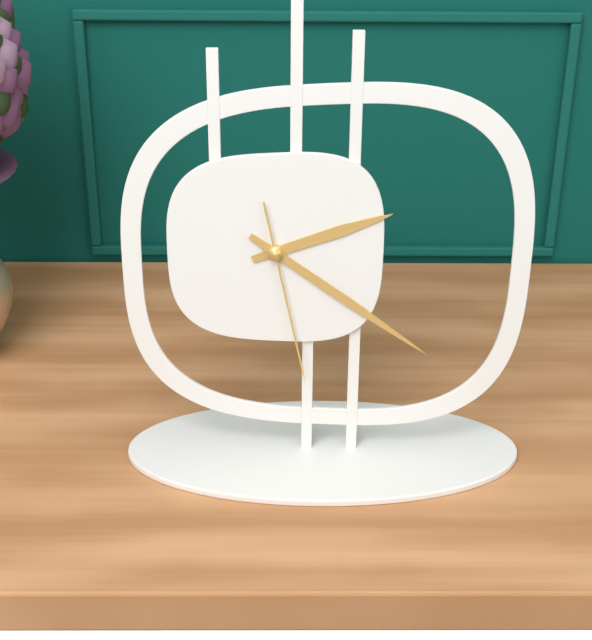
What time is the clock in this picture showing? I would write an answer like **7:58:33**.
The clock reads **2:21:28**
